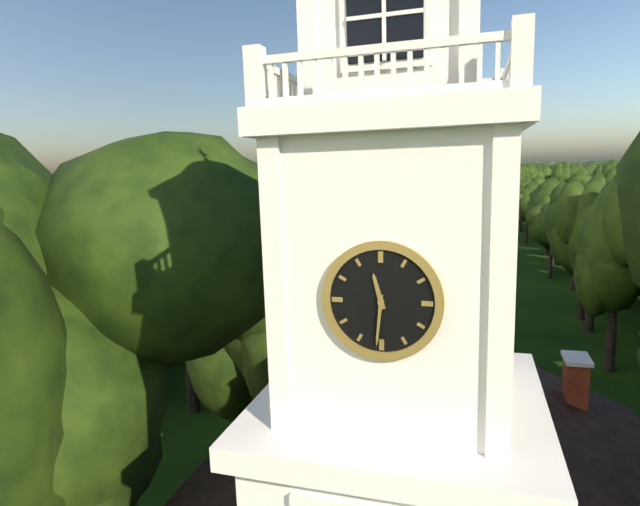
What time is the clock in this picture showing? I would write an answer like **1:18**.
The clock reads **11:31**
